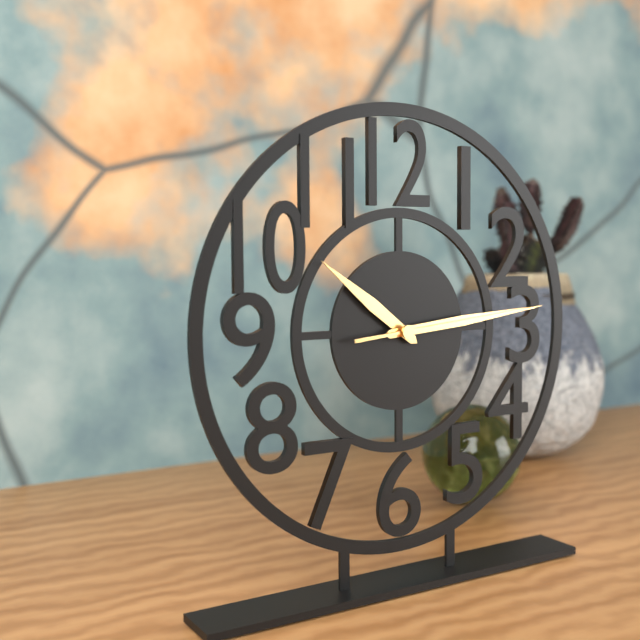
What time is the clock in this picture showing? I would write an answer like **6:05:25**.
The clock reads **10:14:14**
